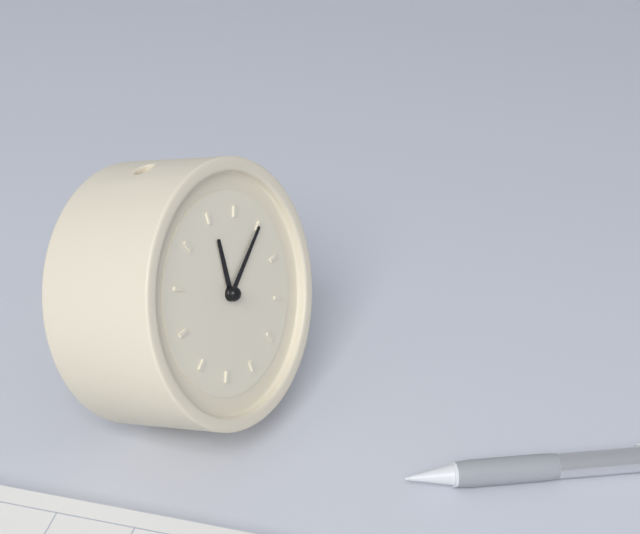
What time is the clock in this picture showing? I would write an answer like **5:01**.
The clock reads **12:10**
